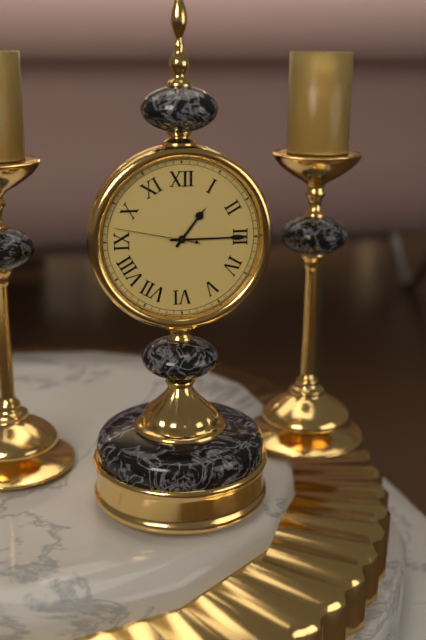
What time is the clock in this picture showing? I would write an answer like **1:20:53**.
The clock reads **1:15:47**
